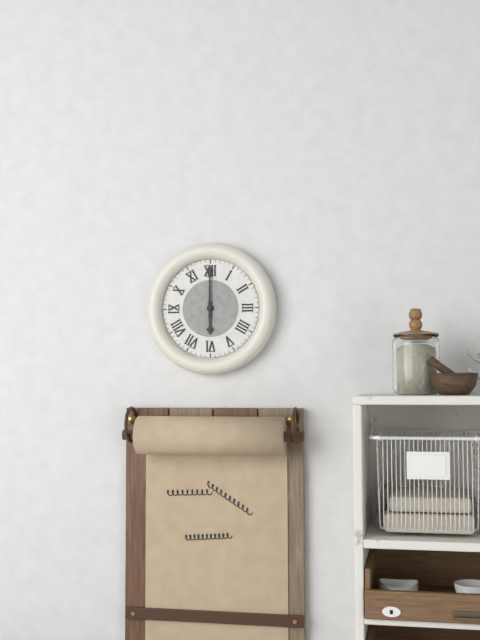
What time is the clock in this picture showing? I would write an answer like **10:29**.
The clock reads **6:00**
